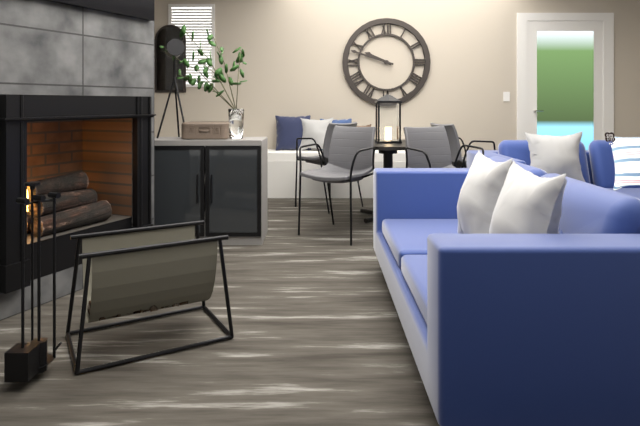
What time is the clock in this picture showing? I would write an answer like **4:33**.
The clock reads **9:48**
